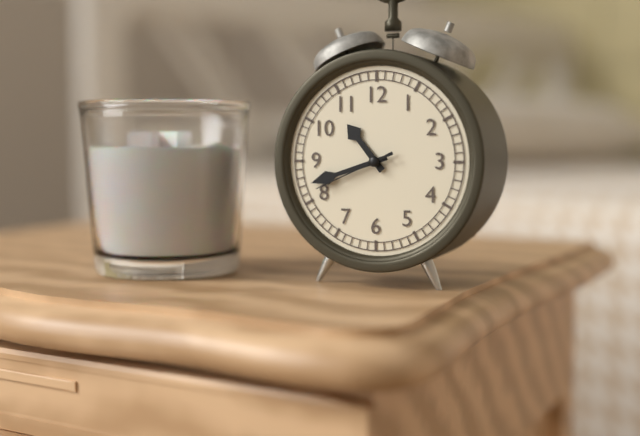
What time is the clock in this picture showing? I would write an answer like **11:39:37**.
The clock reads **10:42:41**
